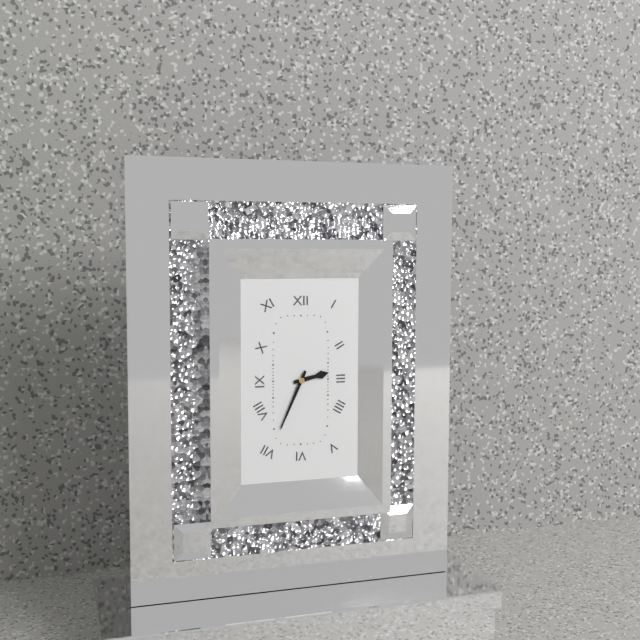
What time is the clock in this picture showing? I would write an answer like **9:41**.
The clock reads **2:34**
